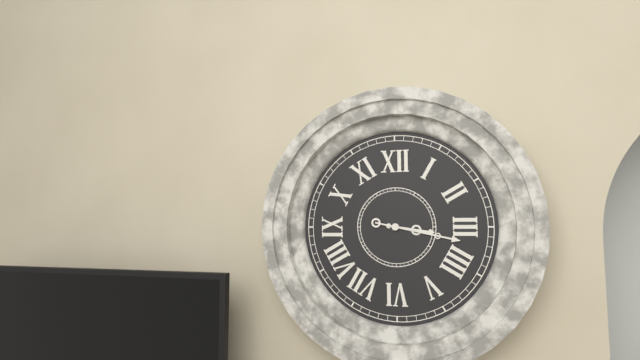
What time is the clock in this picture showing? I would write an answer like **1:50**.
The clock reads **3:17**
